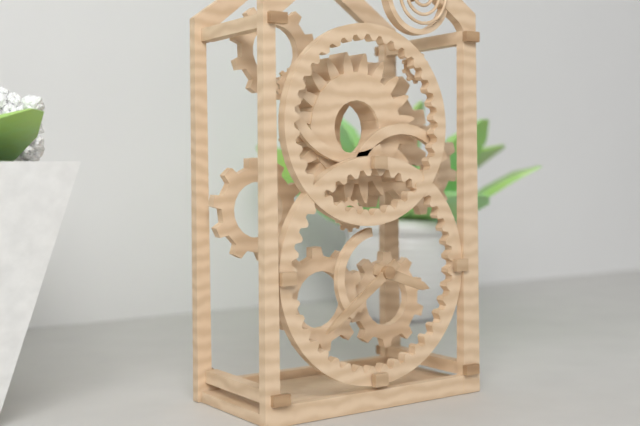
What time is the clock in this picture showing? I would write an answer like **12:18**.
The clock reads **3:39**
